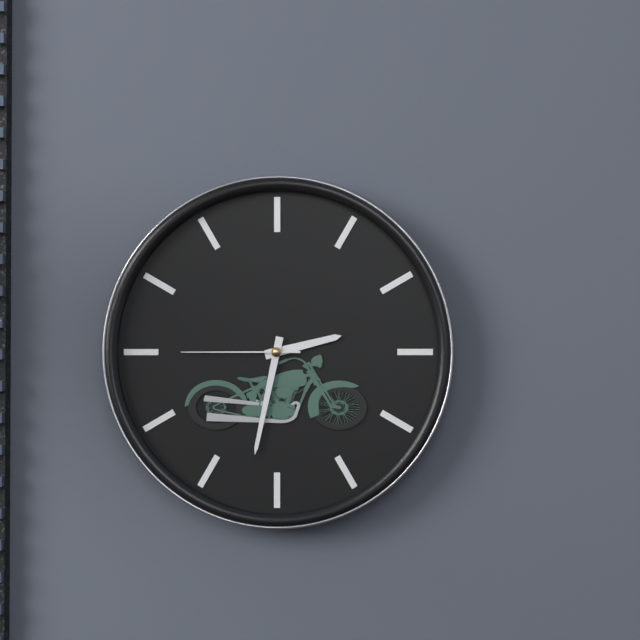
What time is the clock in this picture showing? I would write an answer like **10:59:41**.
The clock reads **2:32:45**
